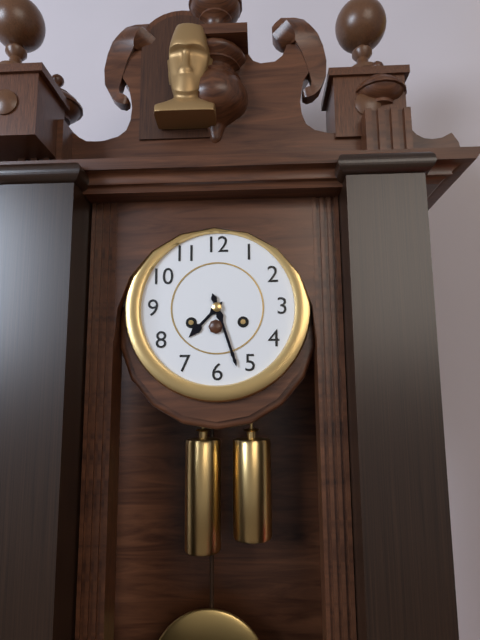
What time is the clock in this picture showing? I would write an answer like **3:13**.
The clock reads **7:27**
